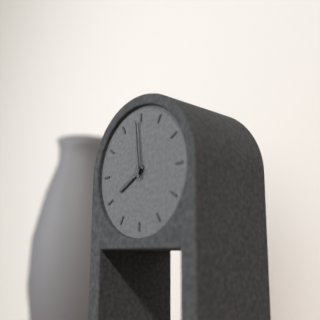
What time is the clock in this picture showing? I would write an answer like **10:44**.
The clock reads **7:59**
